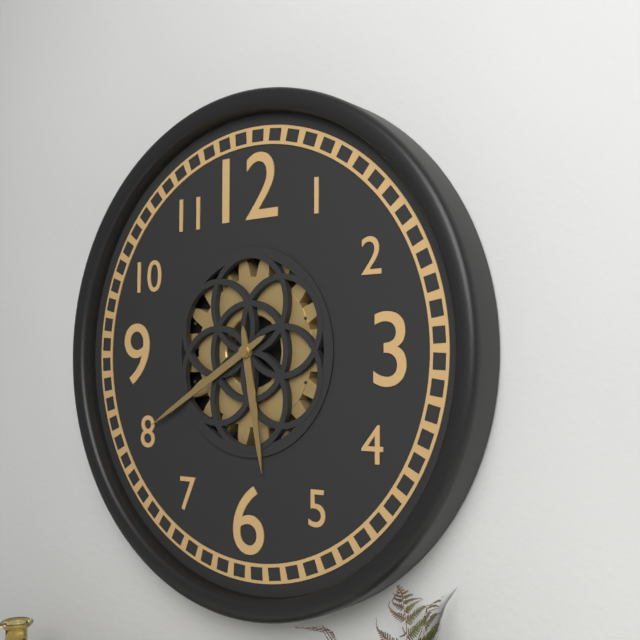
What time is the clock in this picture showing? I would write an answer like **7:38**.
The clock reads **5:40**
